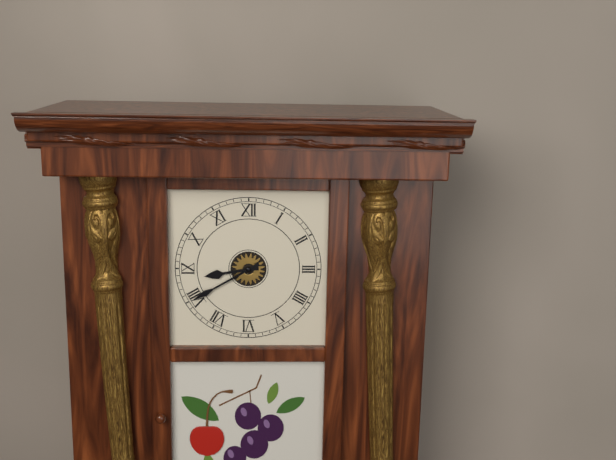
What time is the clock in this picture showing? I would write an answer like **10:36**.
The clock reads **8:40**
